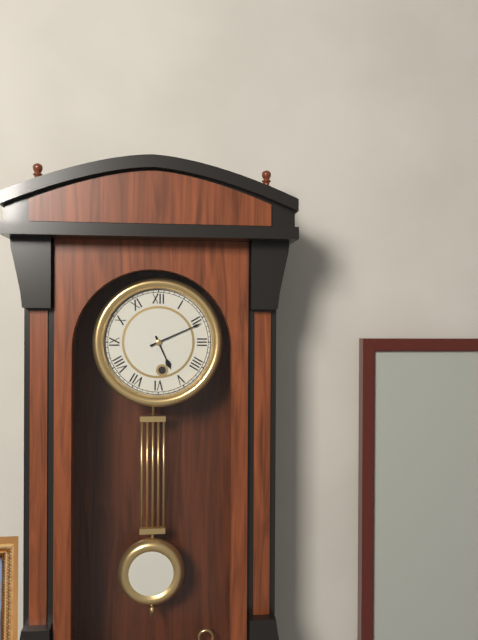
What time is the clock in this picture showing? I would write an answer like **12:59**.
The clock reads **5:11**
